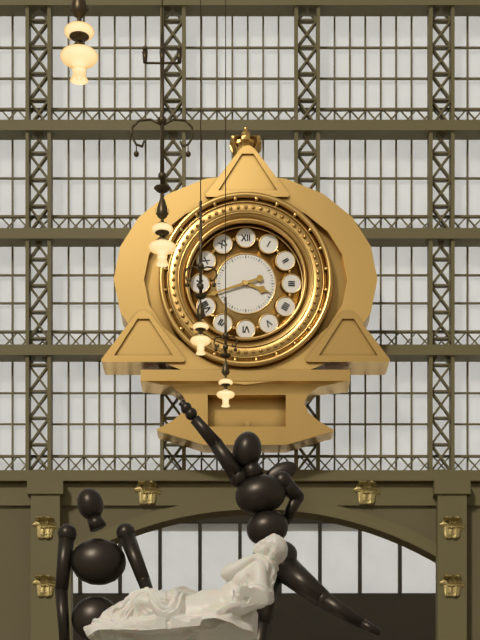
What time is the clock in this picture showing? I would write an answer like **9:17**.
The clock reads **3:42**
